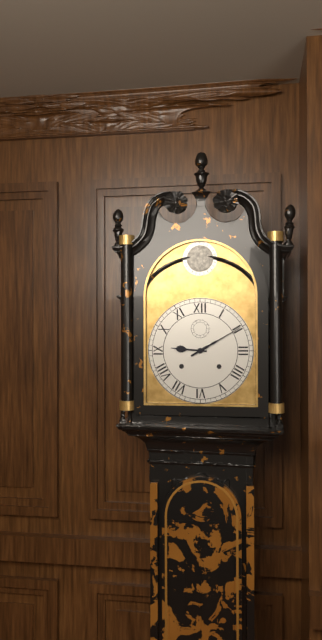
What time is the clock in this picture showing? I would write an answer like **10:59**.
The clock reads **9:10**
